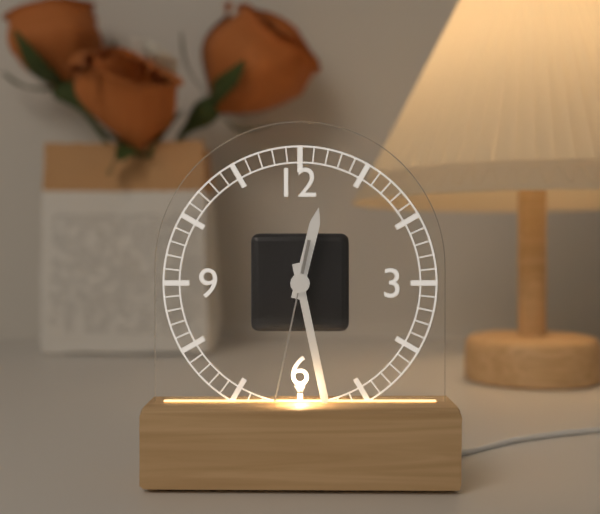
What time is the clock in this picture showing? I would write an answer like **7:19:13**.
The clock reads **12:28:32**
